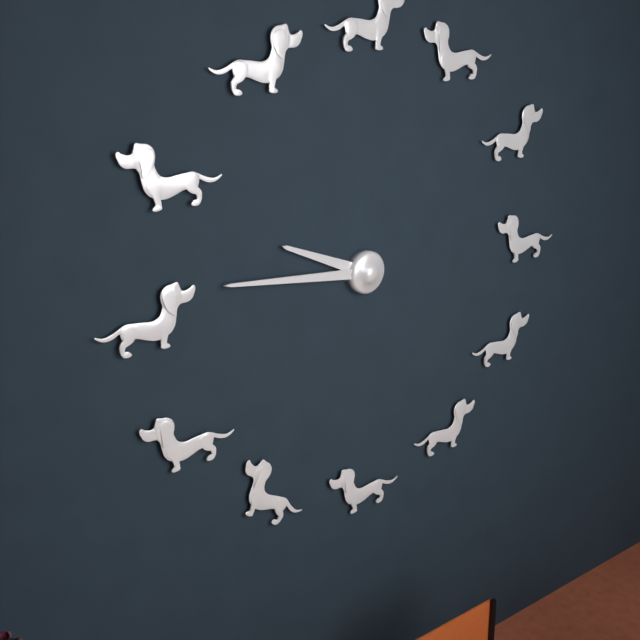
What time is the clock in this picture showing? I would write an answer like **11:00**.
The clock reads **9:46**
